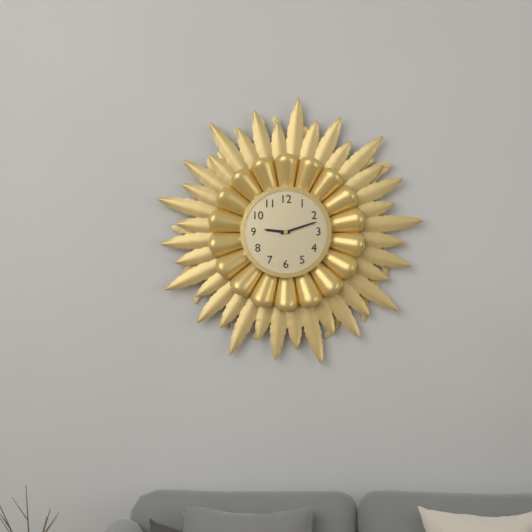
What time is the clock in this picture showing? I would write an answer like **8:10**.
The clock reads **9:12**
